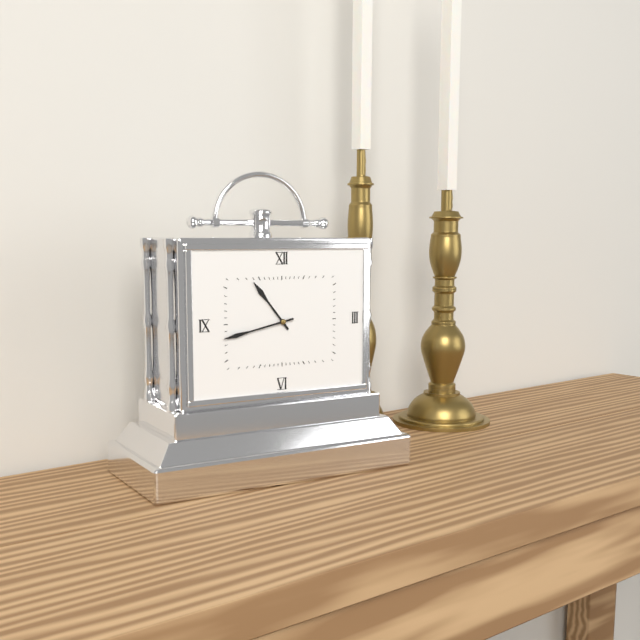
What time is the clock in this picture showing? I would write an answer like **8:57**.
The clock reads **10:43**
